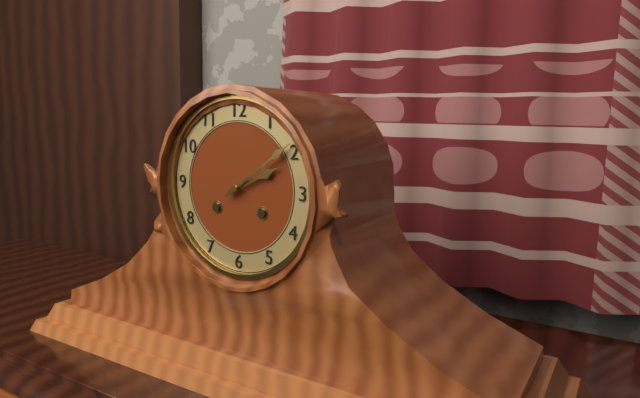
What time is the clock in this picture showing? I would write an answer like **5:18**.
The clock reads **2:09**
